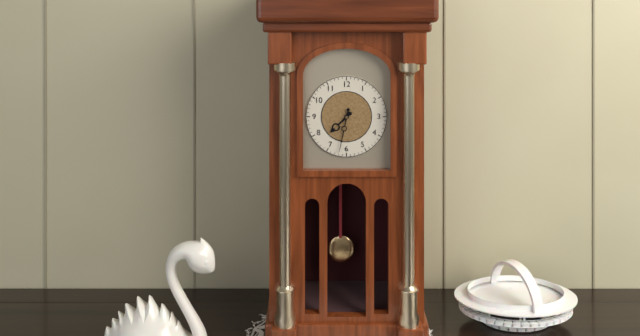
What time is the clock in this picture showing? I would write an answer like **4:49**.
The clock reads **7:32**
